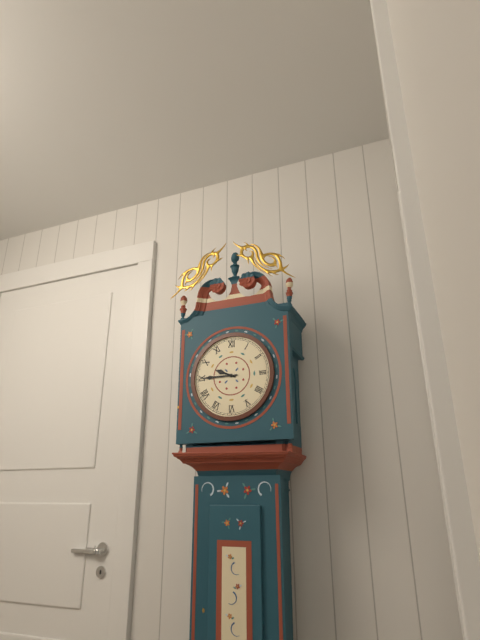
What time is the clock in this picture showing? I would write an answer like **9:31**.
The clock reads **9:45**
